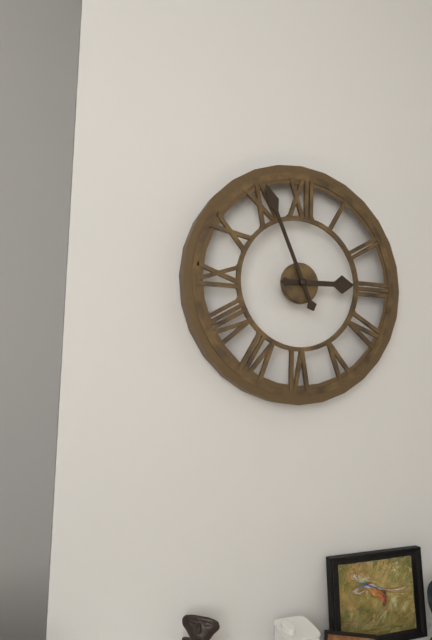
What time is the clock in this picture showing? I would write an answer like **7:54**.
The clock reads **2:56**
